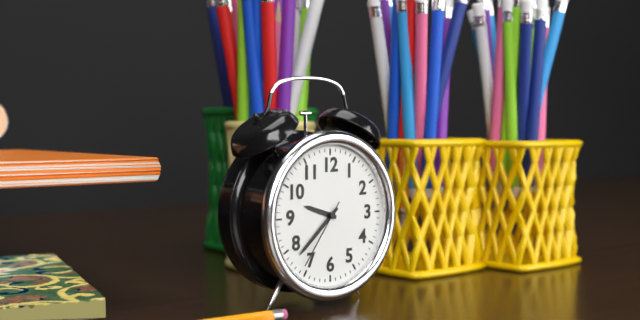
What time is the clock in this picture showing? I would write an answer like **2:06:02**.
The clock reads **9:38:36**
